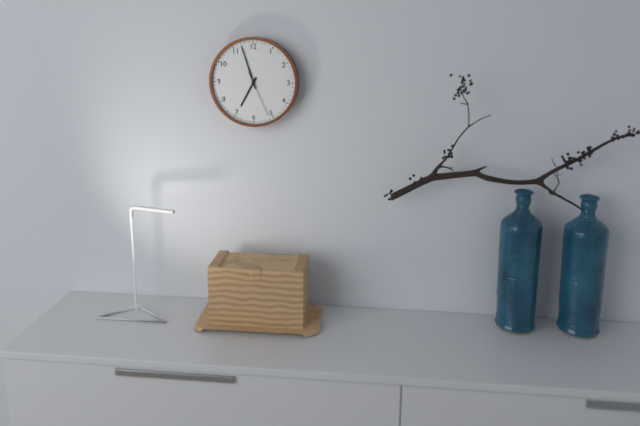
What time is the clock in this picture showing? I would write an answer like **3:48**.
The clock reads **6:57**
